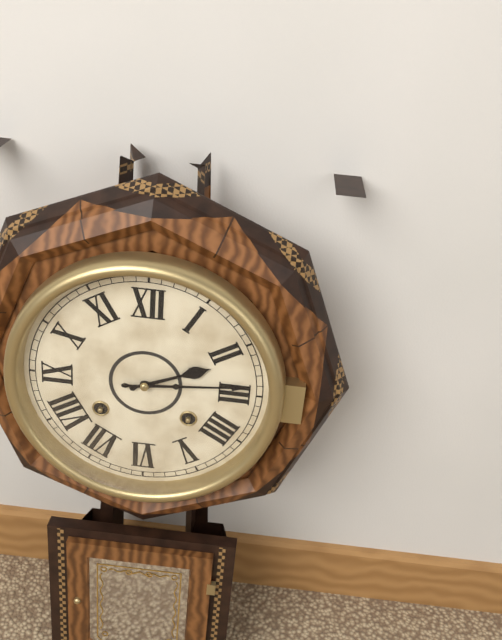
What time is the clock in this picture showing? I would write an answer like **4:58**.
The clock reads **2:14**
